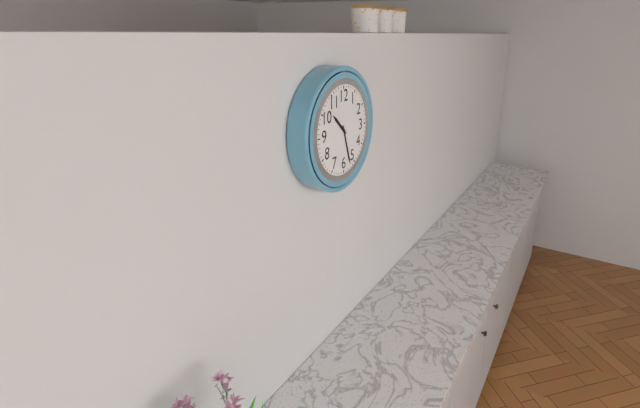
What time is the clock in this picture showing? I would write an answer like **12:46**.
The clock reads **10:27**
